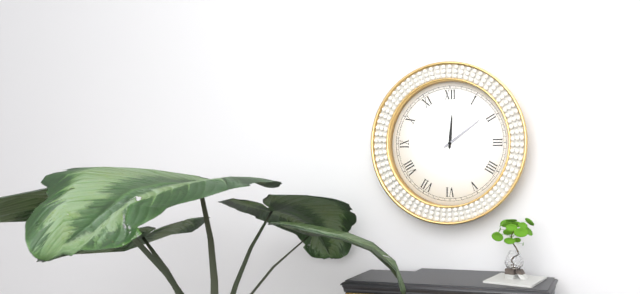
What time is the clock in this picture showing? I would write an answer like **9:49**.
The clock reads **12:09**
